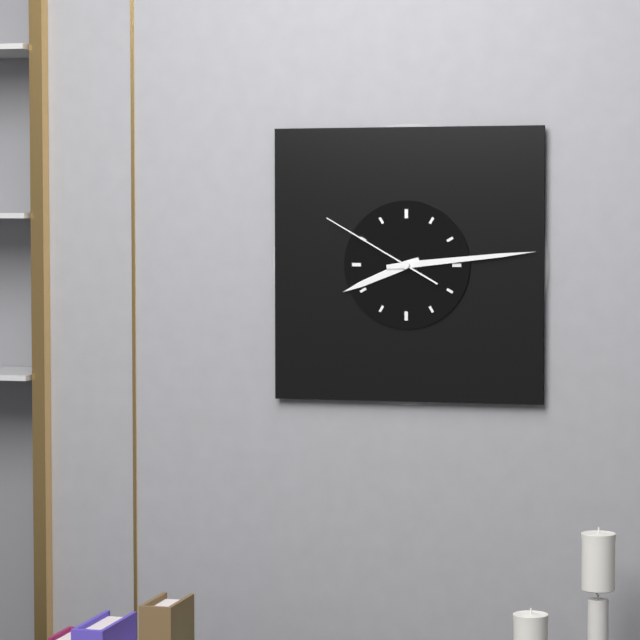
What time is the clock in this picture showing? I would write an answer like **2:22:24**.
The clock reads **8:14:50**
